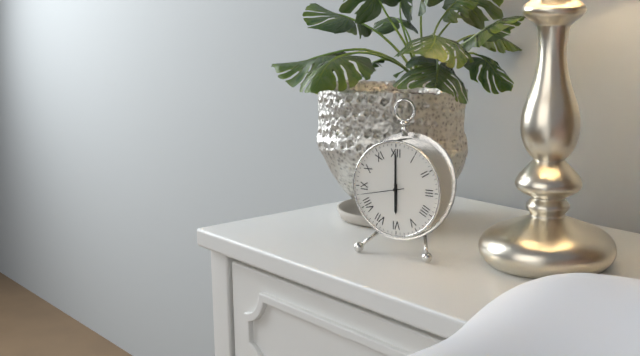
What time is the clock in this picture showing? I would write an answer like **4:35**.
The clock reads **6:00**
